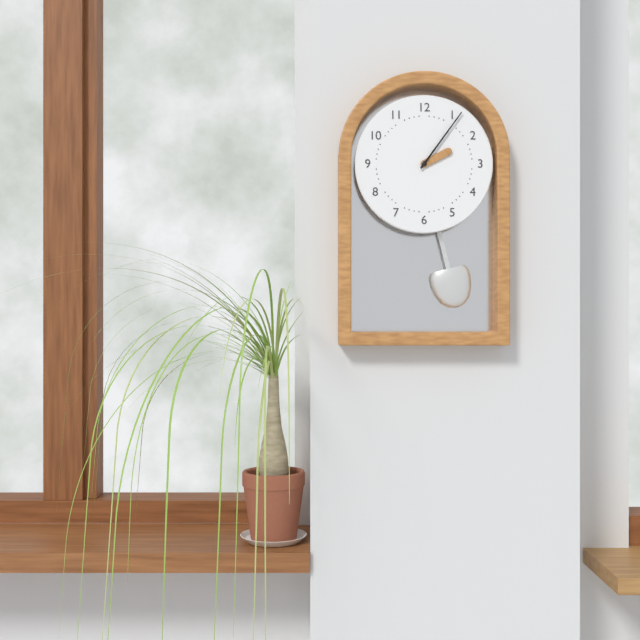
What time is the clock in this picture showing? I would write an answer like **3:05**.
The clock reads **2:06**
